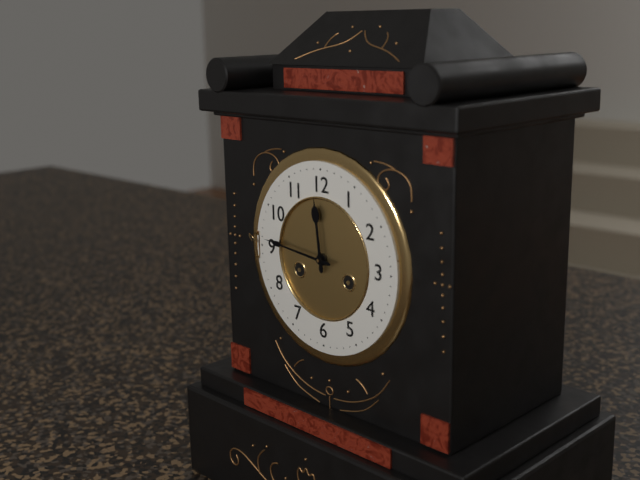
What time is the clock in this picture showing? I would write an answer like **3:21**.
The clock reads **11:46**
